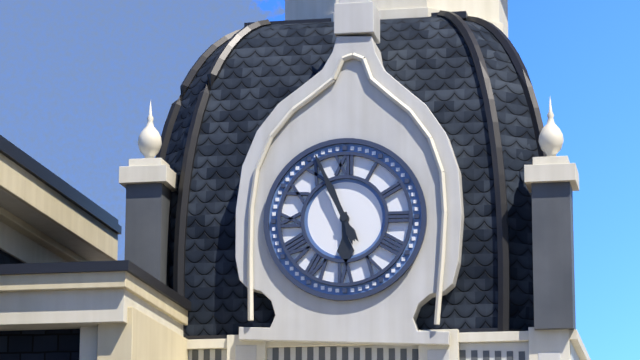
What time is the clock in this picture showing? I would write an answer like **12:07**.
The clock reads **5:56**
